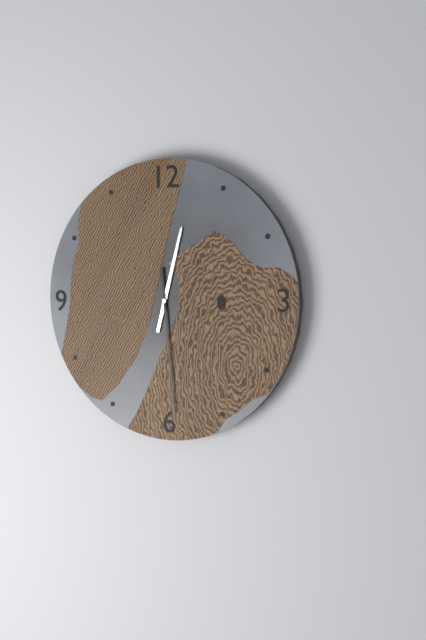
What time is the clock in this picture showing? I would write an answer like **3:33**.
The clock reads **12:29**
